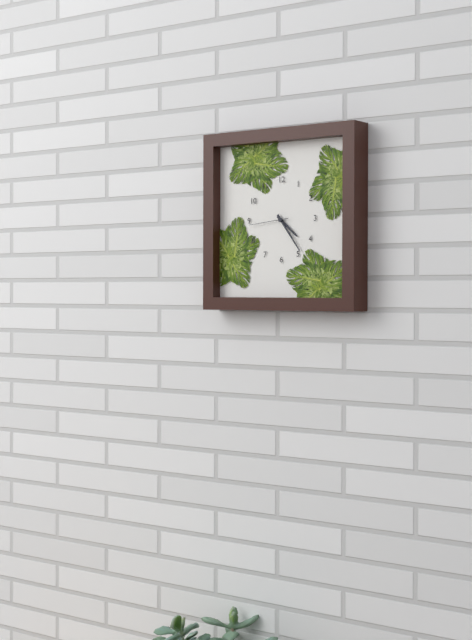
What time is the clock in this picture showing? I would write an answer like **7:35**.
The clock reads **4:24**
